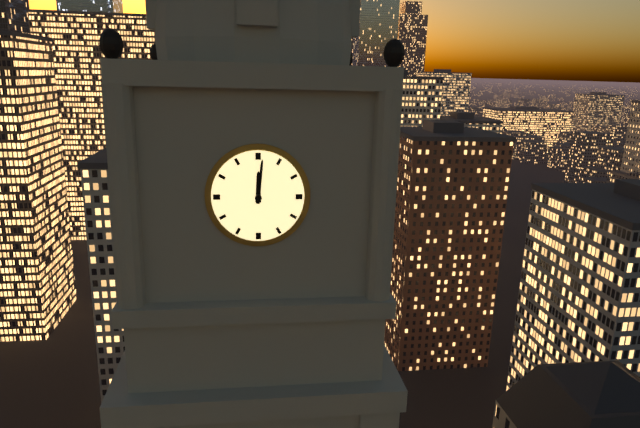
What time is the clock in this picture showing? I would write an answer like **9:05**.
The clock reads **12:01**
